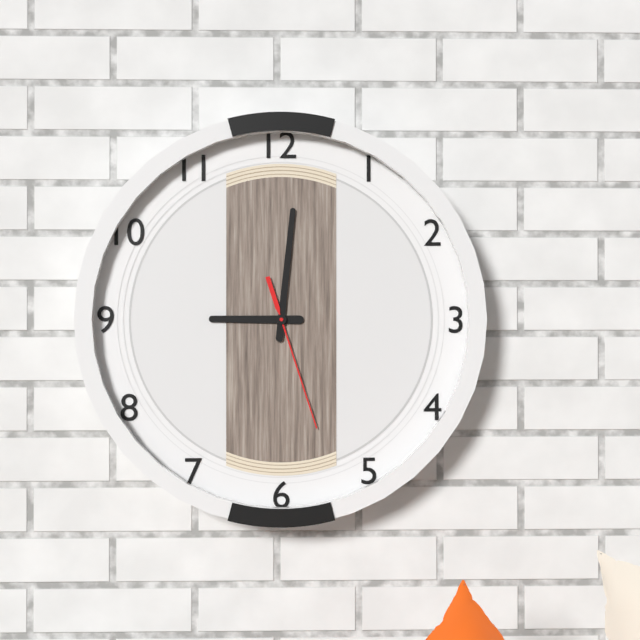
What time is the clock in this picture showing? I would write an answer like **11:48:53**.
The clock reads **9:01:27**
